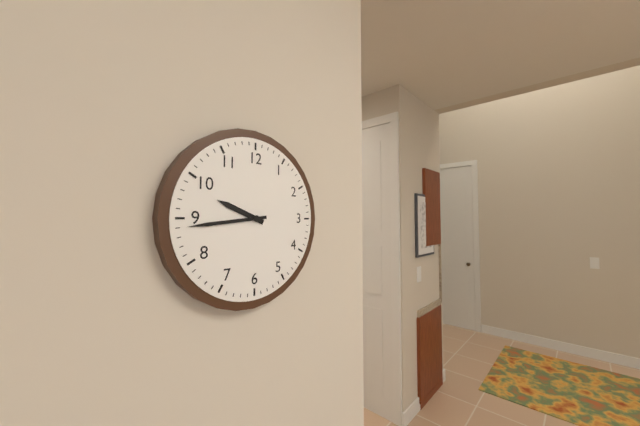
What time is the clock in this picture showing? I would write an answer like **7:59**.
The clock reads **9:44**
